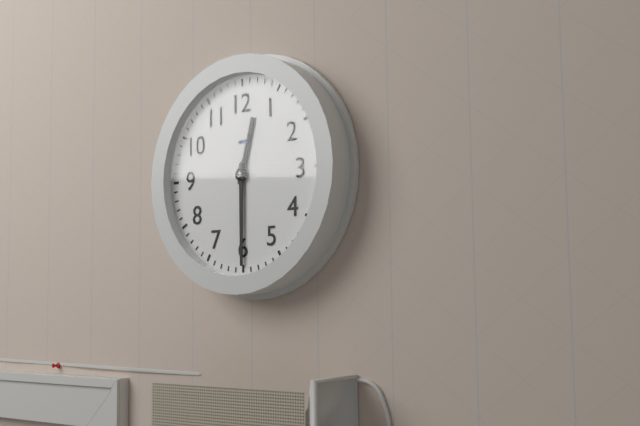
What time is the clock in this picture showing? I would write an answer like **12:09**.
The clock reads **12:30**
